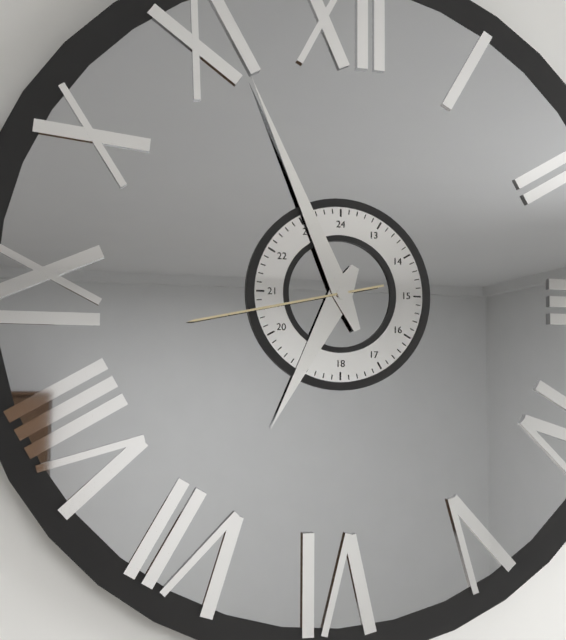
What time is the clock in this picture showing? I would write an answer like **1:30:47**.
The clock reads **6:56:43**
